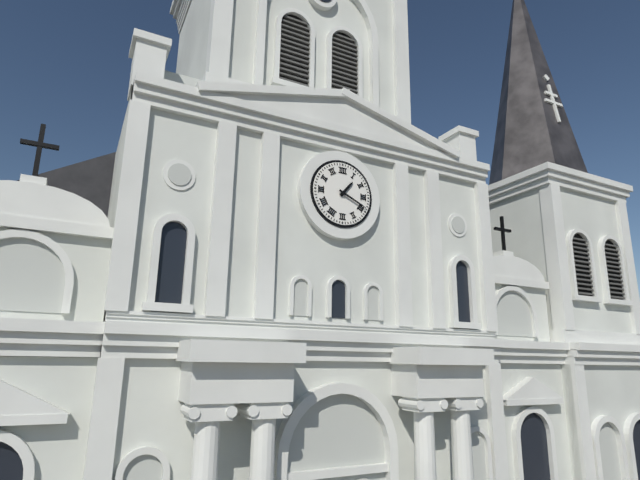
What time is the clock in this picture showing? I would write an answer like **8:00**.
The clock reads **1:19**
